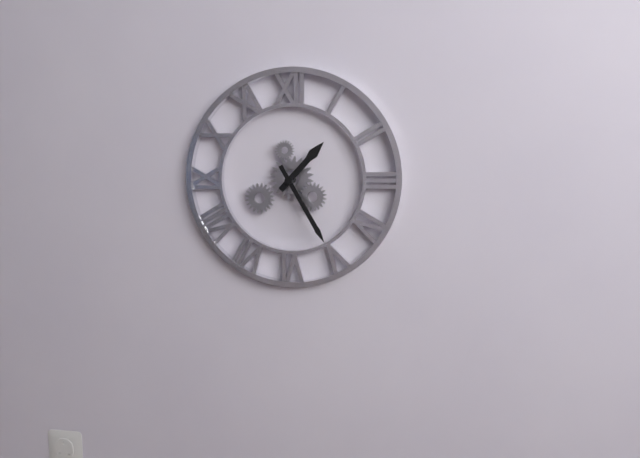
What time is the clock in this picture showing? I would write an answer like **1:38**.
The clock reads **1:25**
